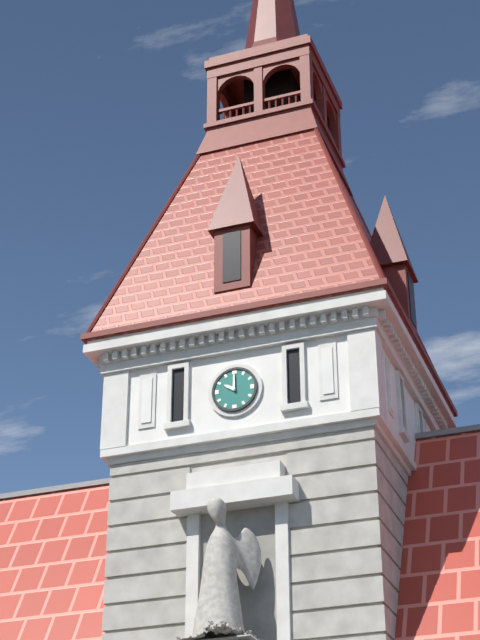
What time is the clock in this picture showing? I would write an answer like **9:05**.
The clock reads **10:00**
